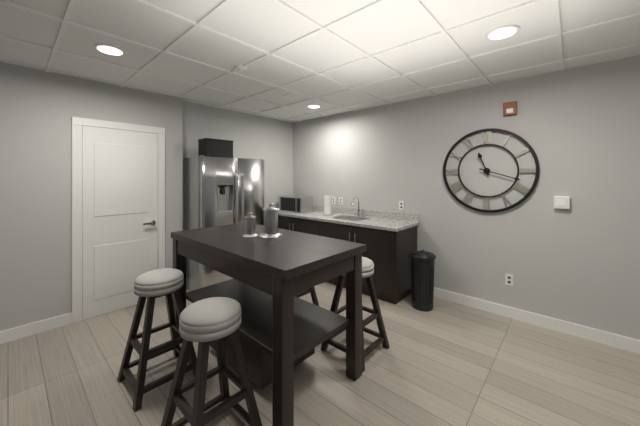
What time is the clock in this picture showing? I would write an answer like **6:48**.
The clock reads **11:18**
